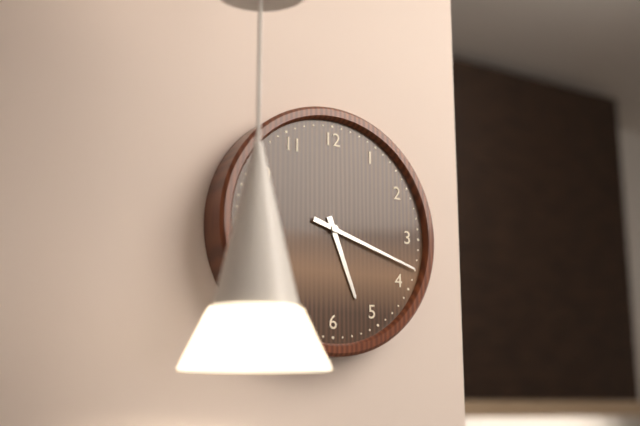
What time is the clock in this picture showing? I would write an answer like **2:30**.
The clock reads **5:18**
